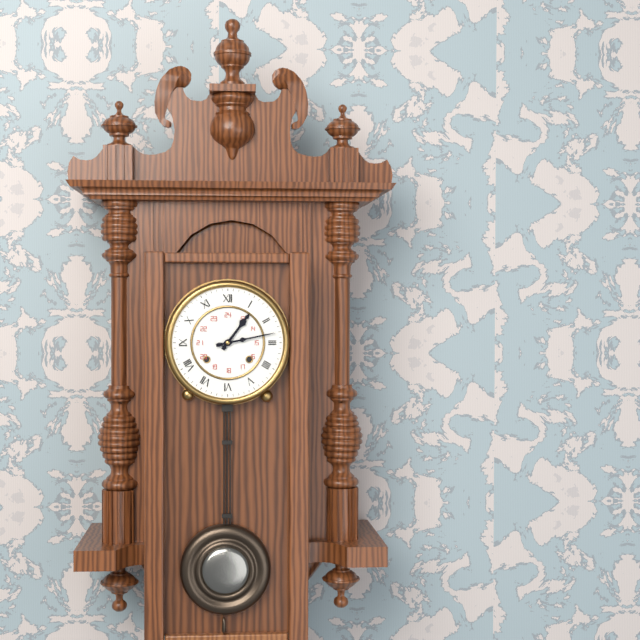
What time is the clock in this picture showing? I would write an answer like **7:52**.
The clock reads **1:13**
